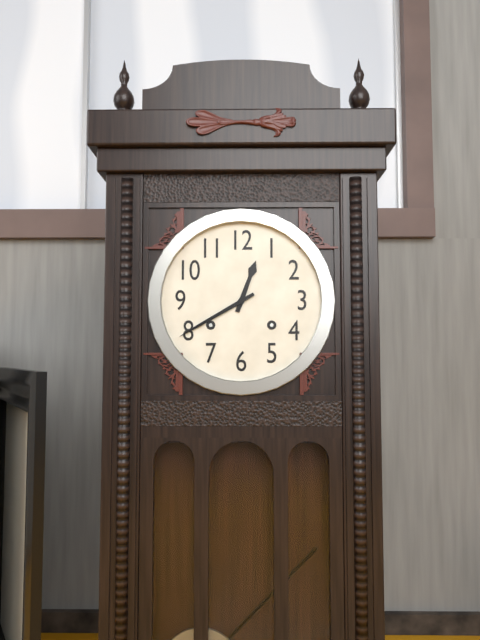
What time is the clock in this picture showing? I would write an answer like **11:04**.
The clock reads **12:40**
